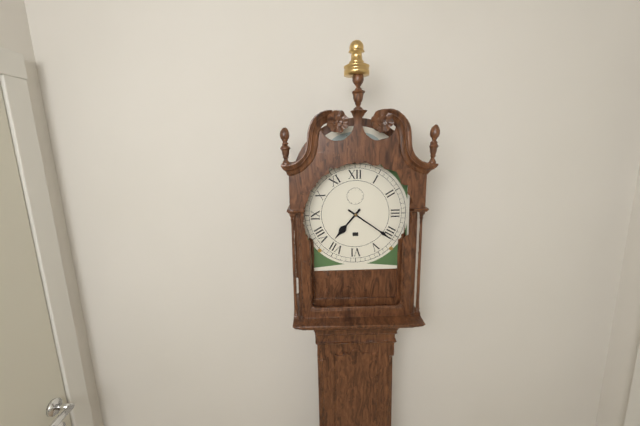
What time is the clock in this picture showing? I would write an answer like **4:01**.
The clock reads **7:21**
